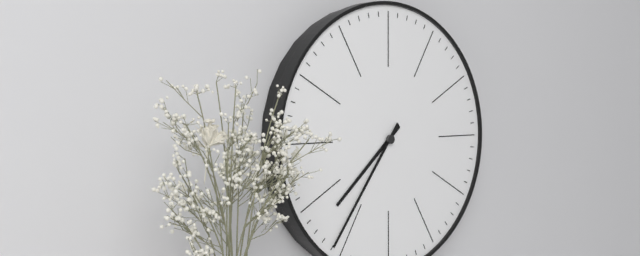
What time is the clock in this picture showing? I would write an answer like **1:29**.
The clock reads **7:36**
